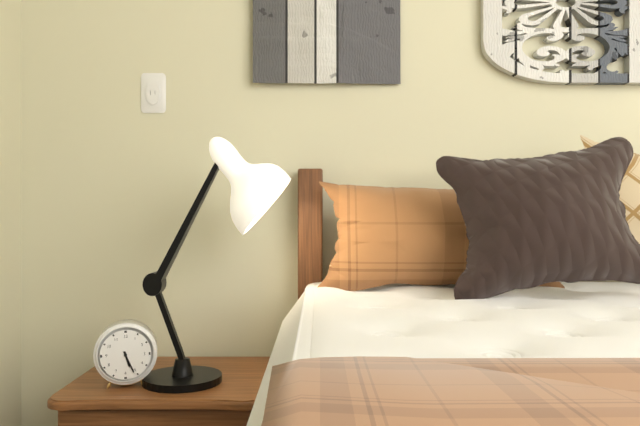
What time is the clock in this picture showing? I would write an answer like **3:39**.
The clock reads **5:26**
